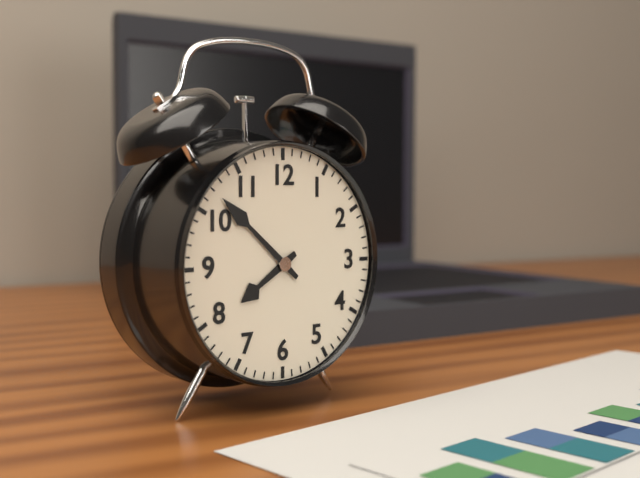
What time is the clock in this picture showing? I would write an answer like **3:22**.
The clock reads **7:52**
